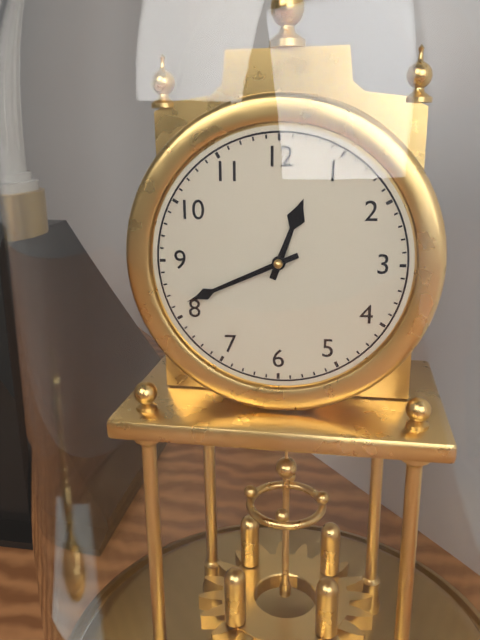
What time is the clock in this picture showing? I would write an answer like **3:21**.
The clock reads **12:41**
